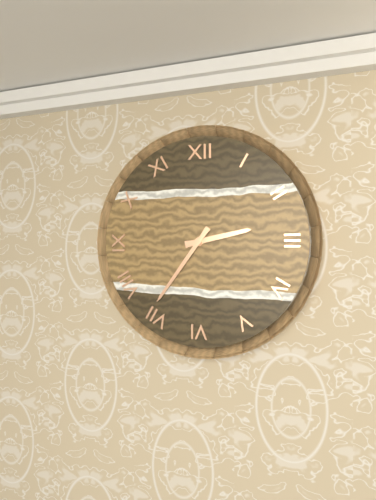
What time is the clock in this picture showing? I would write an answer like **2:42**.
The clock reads **2:36**
